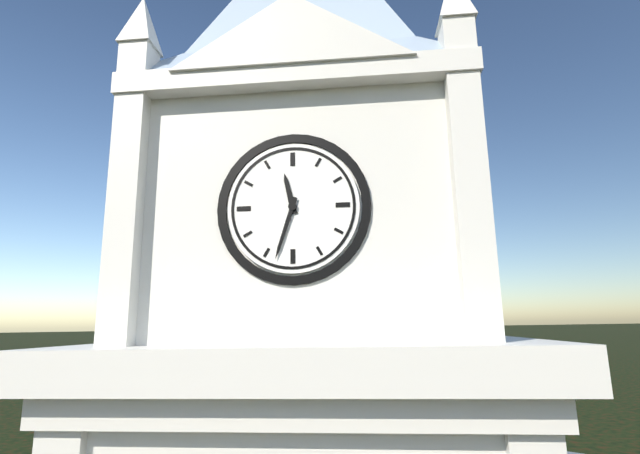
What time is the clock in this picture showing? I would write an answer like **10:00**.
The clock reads **11:33**
